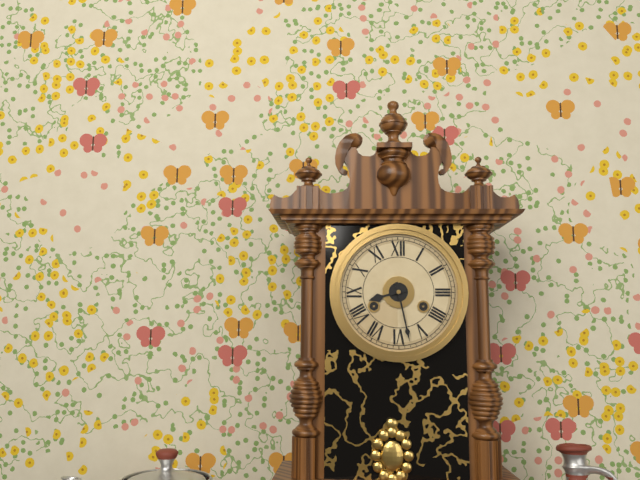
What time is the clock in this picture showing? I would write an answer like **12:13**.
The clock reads **8:28**
